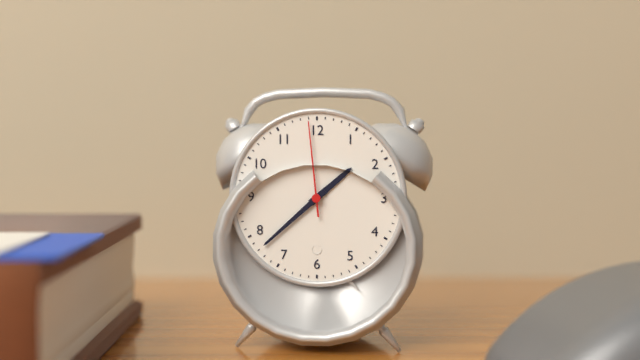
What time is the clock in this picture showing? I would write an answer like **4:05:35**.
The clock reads **1:38:59**
